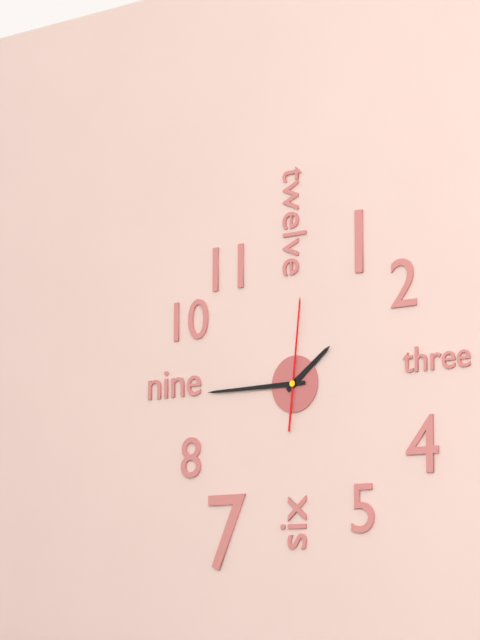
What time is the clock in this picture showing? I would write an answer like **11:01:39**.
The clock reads **1:45:01**
